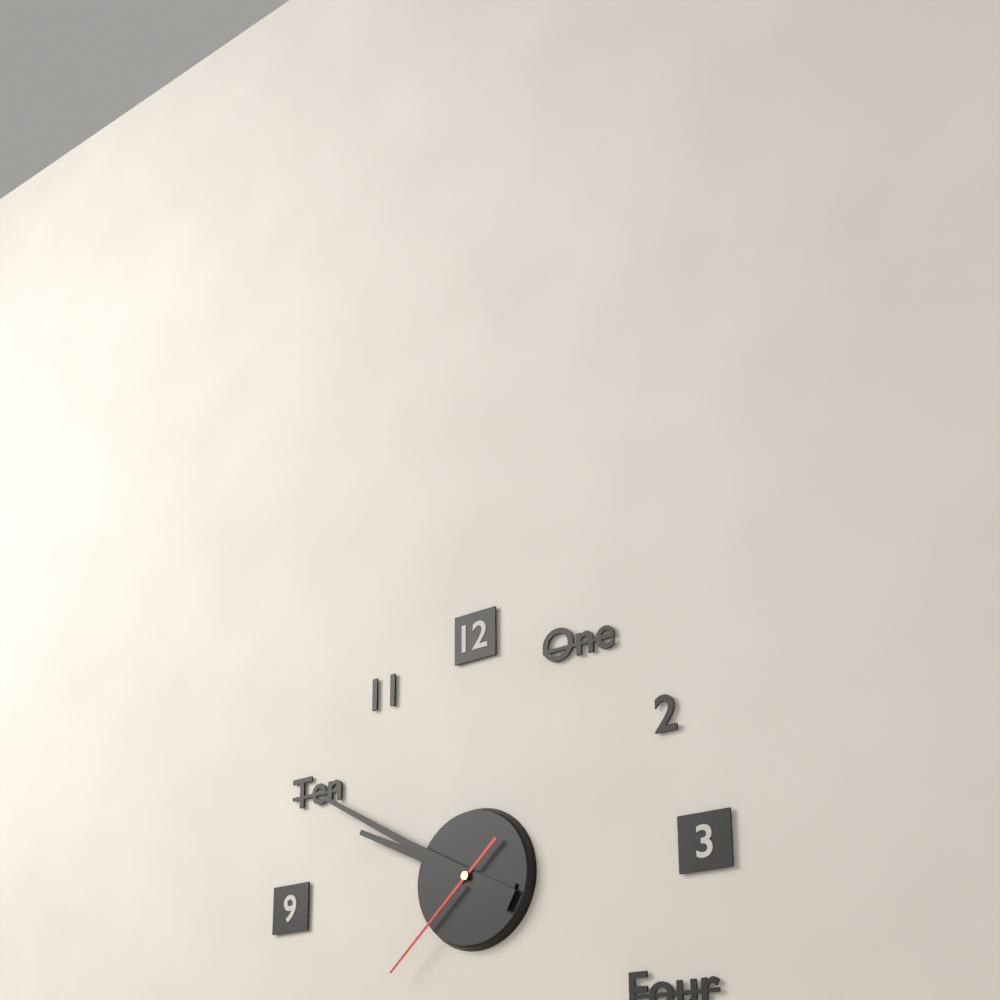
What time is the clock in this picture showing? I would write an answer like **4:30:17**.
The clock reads **9:50:38**
